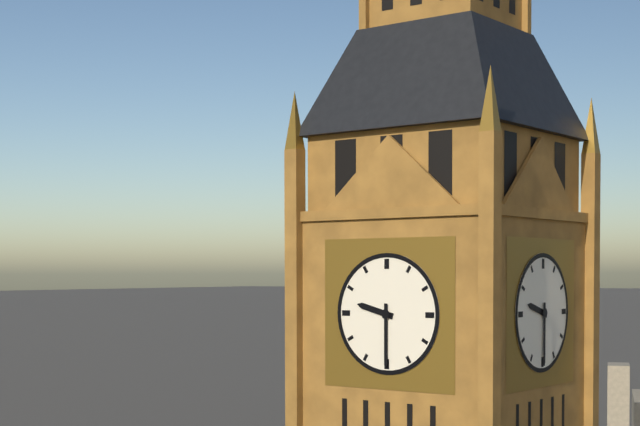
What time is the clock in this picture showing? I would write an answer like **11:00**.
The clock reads **9:30**
